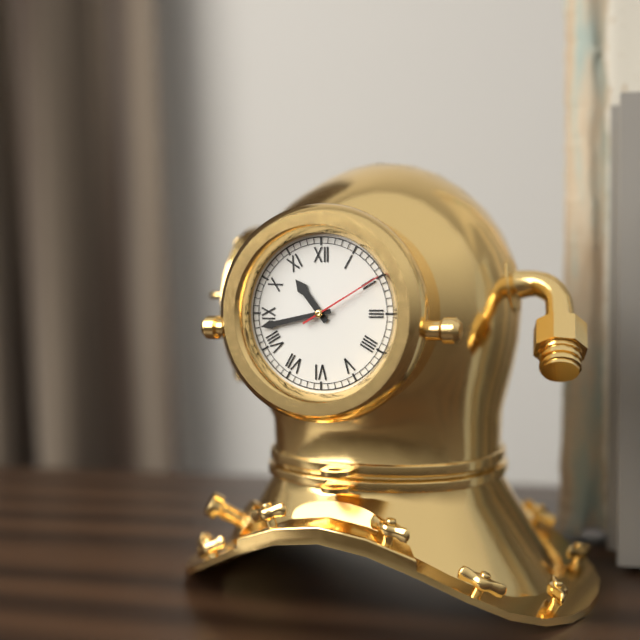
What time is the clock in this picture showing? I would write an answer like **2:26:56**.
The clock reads **10:43:10**
